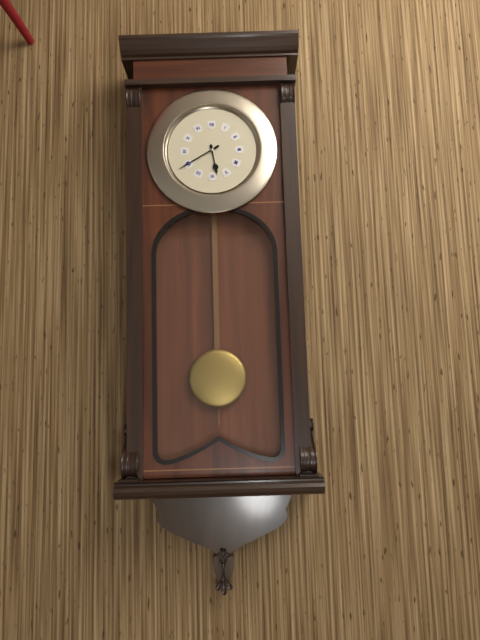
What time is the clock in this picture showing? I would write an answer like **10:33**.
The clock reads **5:40**
